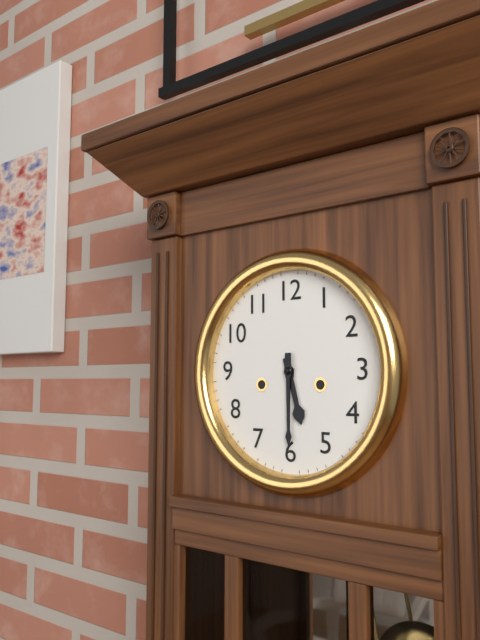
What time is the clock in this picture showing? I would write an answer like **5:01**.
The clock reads **5:30**
